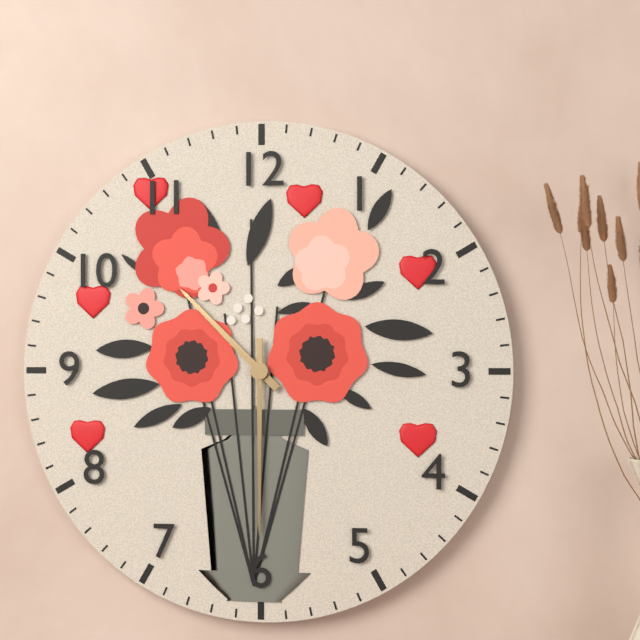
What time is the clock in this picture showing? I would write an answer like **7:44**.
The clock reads **10:30**
